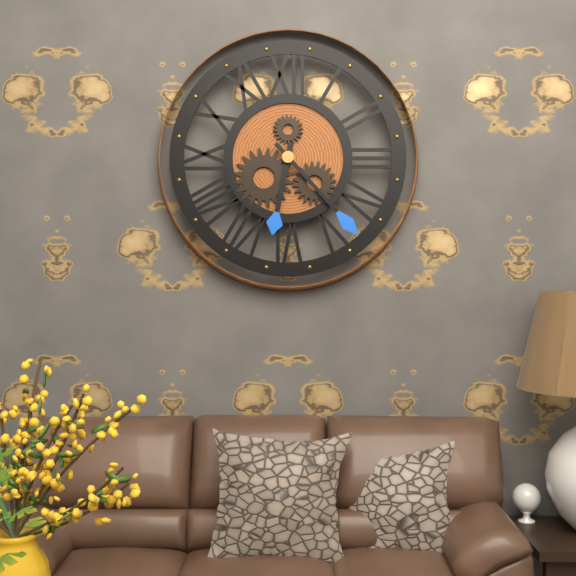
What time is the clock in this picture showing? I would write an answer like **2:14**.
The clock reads **6:23**
